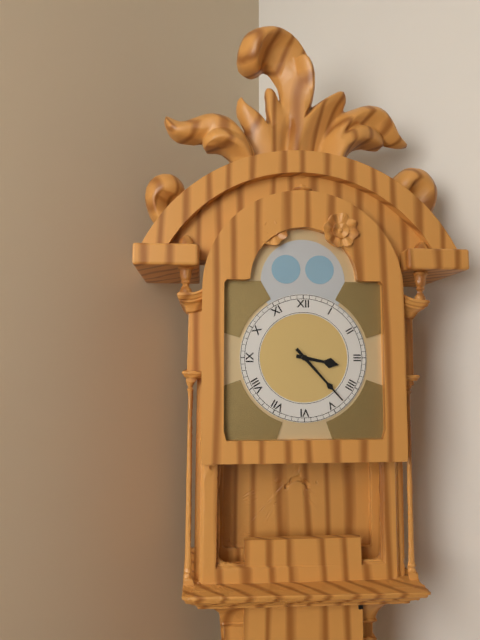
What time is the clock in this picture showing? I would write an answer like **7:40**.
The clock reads **3:23**
